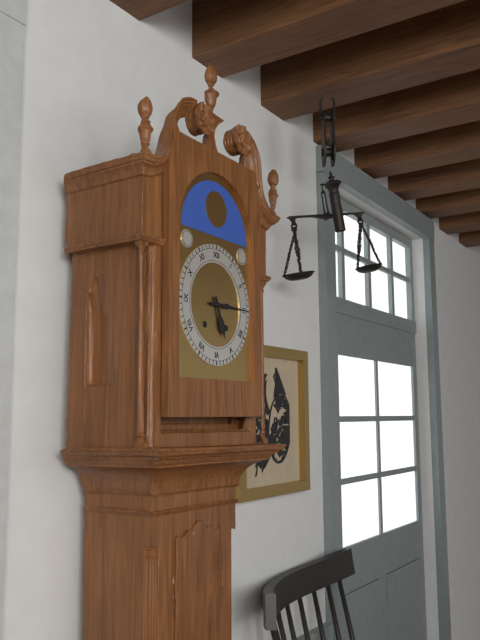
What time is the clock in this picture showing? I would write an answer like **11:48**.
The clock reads **5:15**
